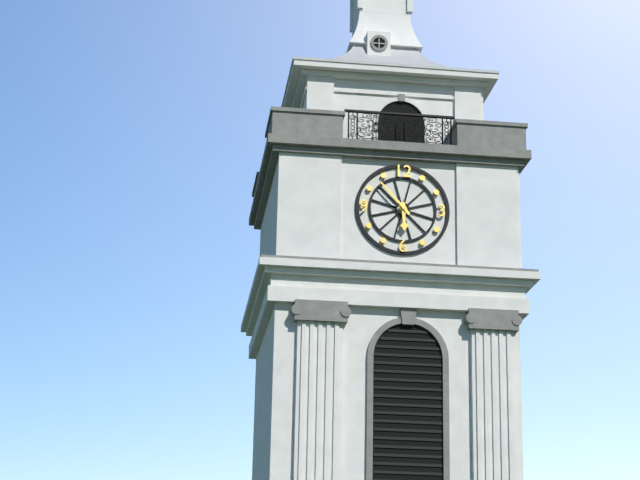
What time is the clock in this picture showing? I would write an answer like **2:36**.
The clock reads **5:53**
